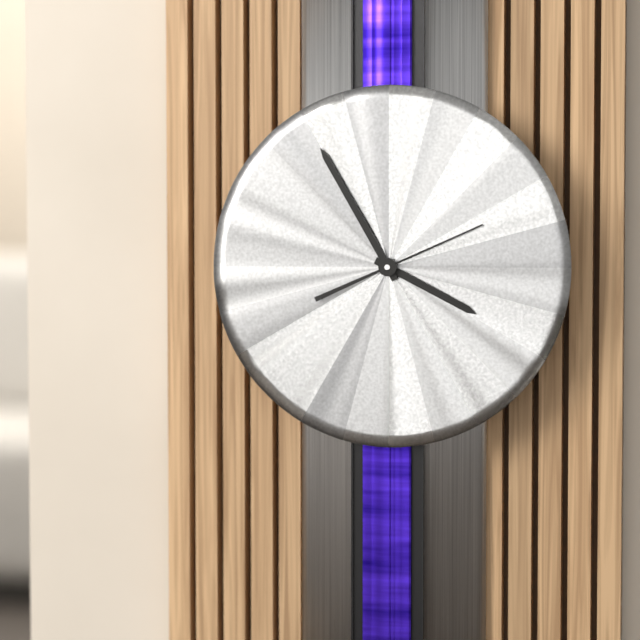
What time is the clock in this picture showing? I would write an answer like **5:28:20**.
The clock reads **3:55:11**
